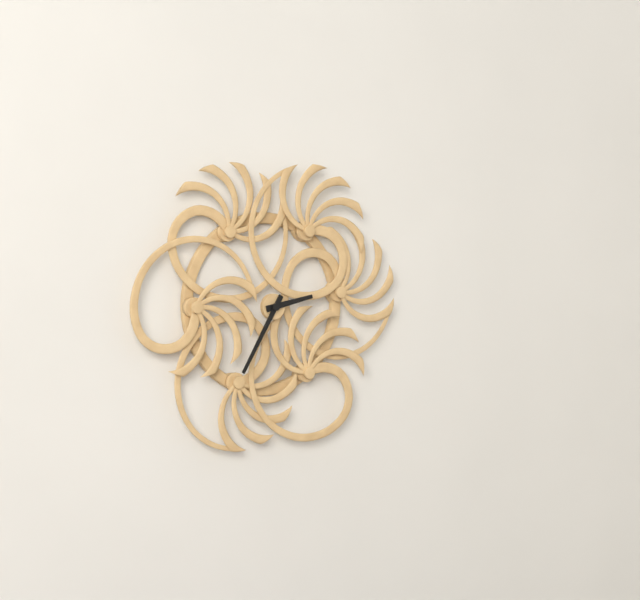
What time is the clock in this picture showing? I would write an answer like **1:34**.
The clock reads **2:35**
